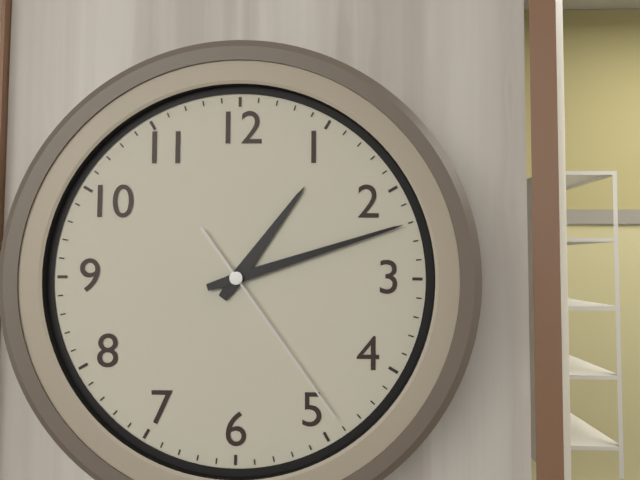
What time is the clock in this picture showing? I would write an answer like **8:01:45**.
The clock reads **1:12:24**
